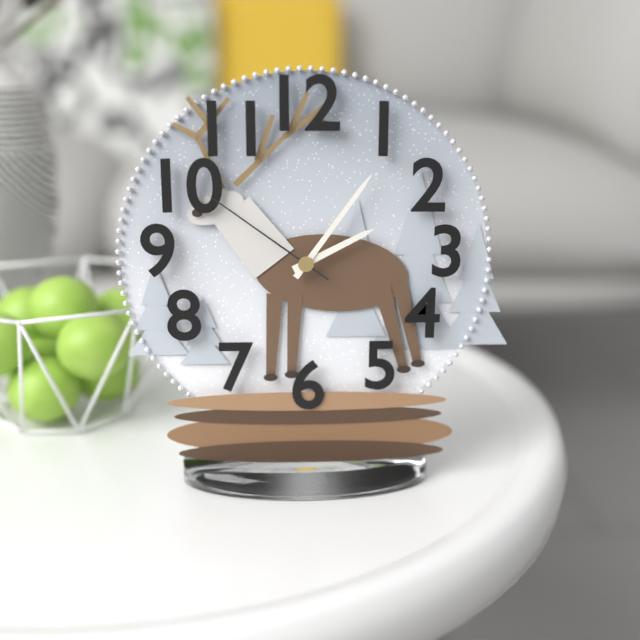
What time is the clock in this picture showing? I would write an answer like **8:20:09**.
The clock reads **2:06:51**
